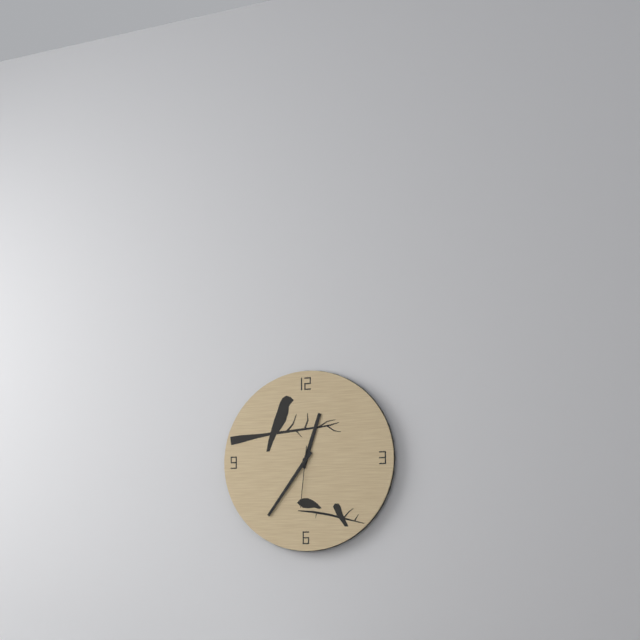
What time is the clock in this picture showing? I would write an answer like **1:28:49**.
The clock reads **12:36:31**
